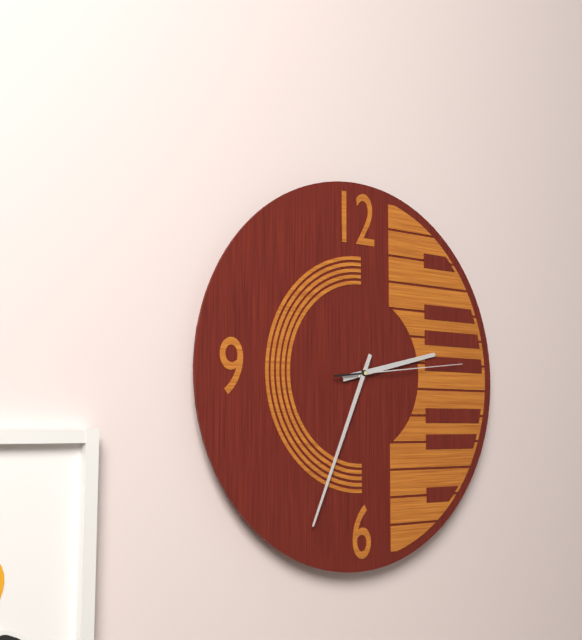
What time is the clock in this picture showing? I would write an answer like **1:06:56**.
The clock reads **2:34:14**
